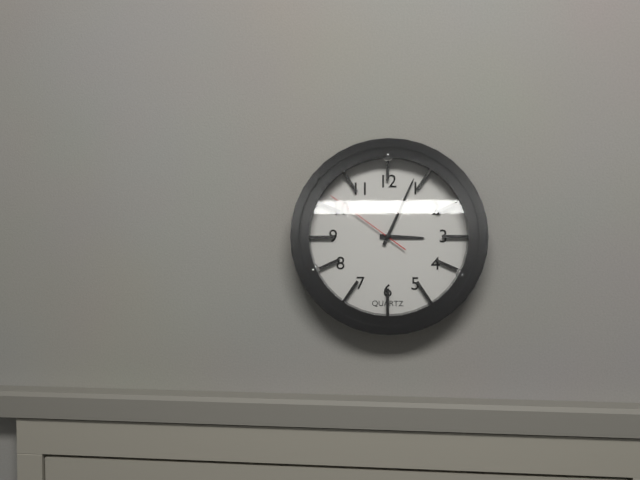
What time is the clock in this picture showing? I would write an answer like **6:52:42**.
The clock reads **3:04:51**
